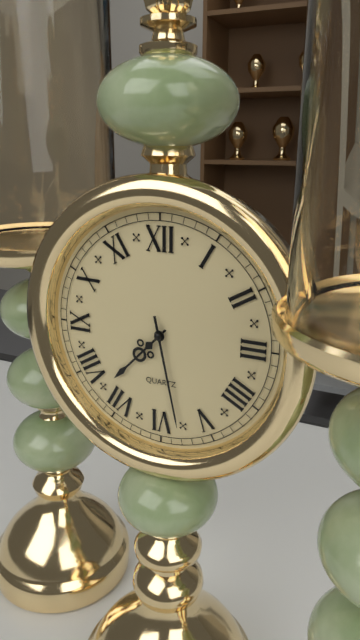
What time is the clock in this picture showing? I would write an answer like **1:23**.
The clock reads **7:28**
